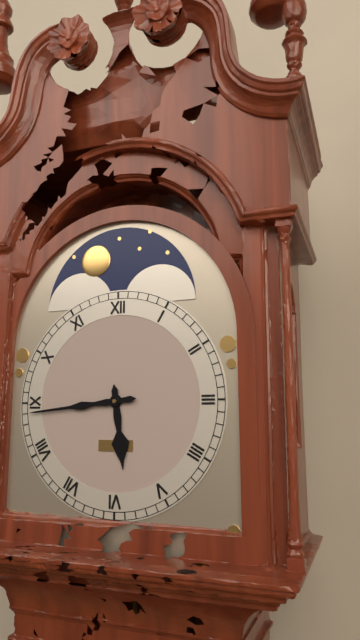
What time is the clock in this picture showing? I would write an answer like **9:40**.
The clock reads **5:44**
